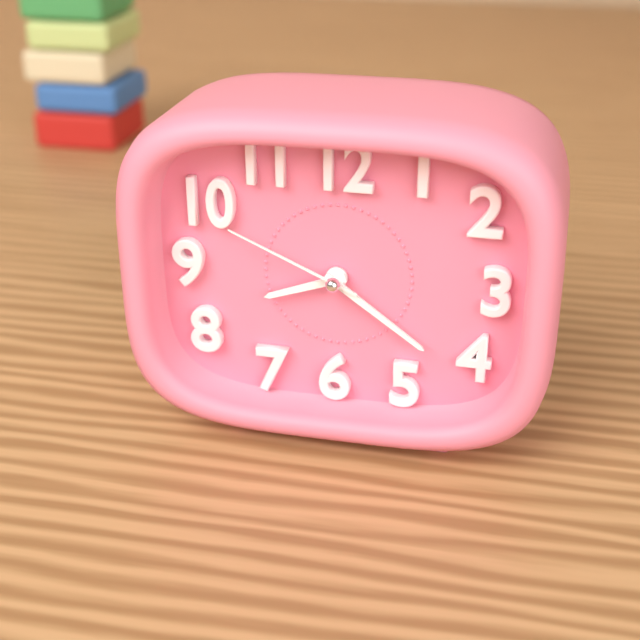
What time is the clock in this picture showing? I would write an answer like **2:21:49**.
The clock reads **8:21:49**
